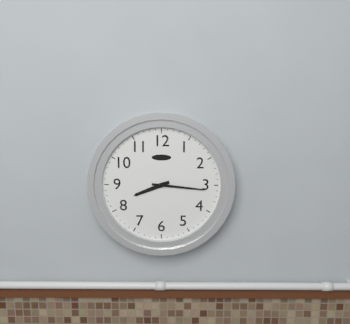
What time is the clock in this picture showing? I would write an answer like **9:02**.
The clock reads **8:16**
